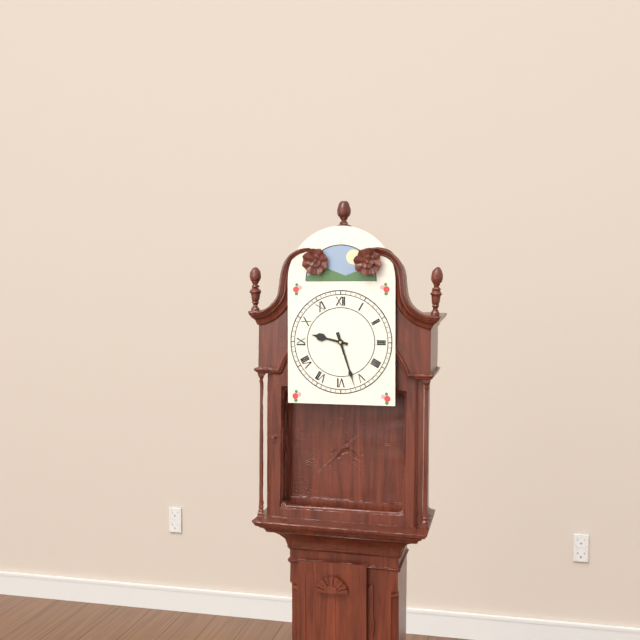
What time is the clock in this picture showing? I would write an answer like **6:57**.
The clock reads **9:27**
